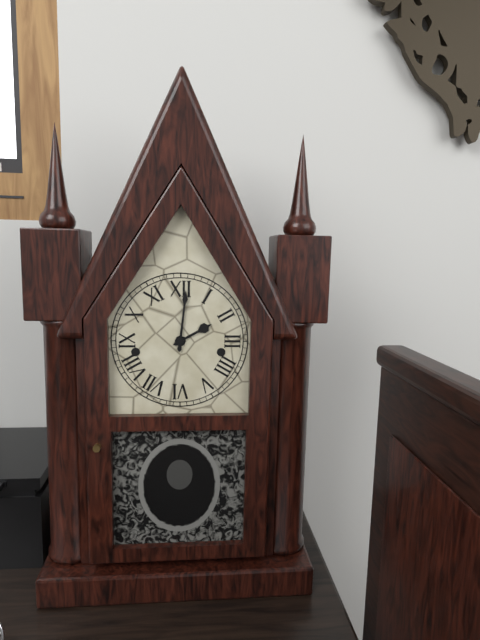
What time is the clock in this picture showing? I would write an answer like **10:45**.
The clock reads **2:01**
